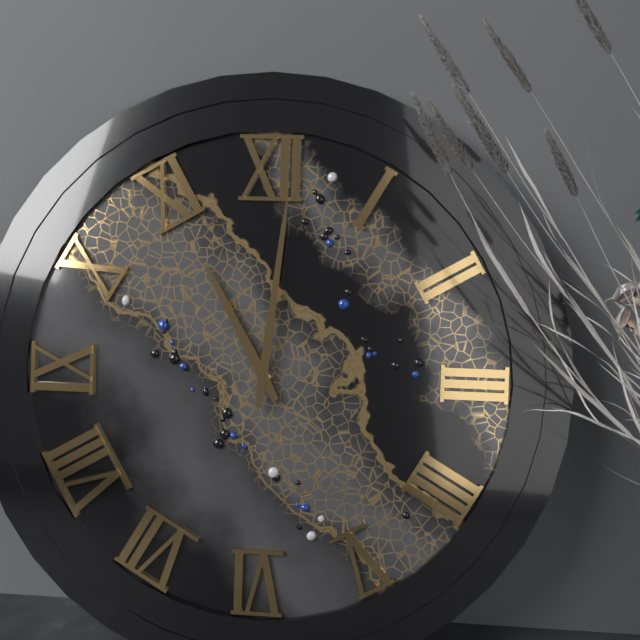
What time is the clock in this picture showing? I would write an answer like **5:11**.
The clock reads **11:01**
